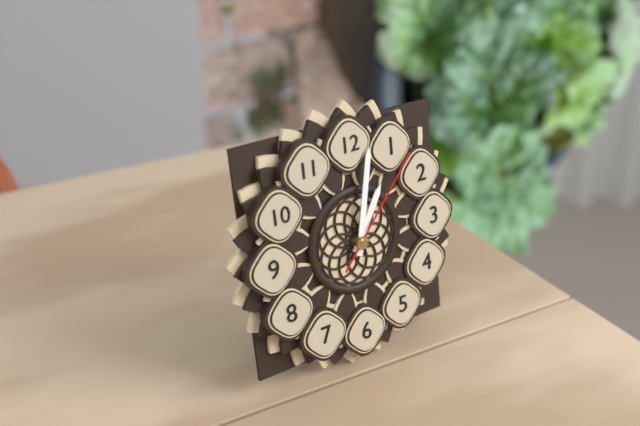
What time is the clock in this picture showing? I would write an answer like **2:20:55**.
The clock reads **1:02:07**
